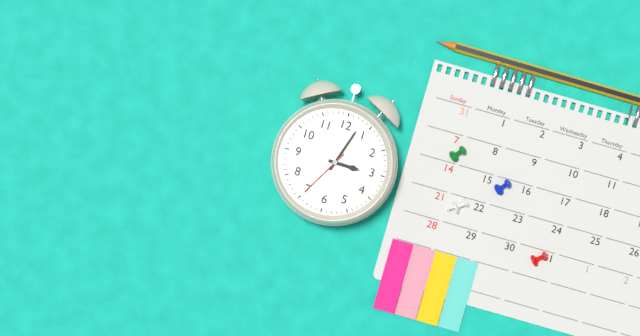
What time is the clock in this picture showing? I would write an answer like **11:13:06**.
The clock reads **3:03:35**
